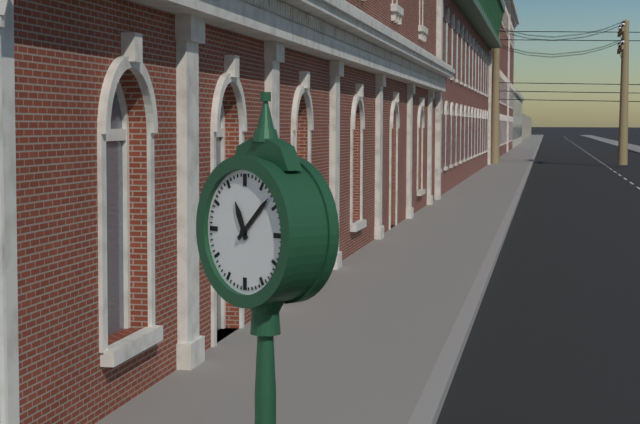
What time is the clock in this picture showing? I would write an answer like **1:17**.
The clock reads **11:08**
